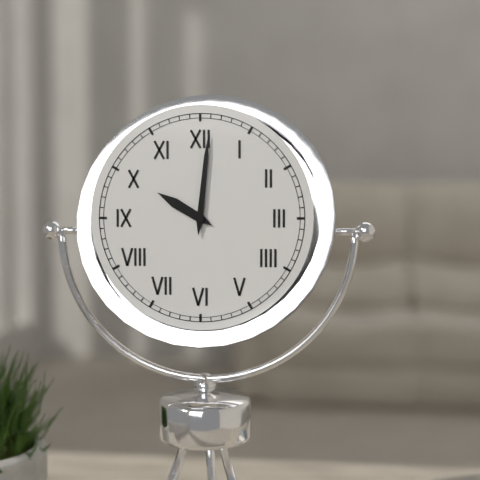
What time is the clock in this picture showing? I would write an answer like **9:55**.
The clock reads **10:01**
